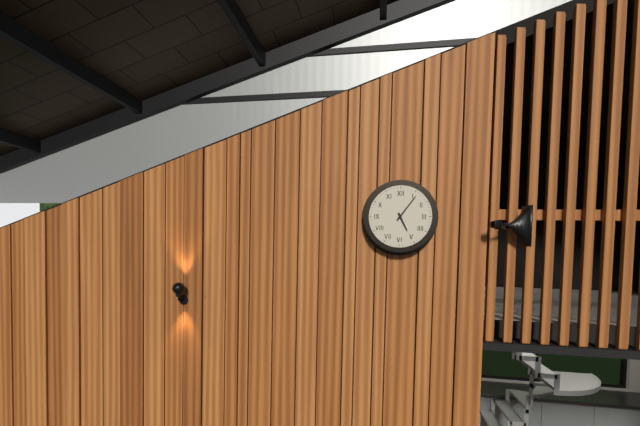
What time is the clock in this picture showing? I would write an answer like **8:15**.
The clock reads **5:06**
